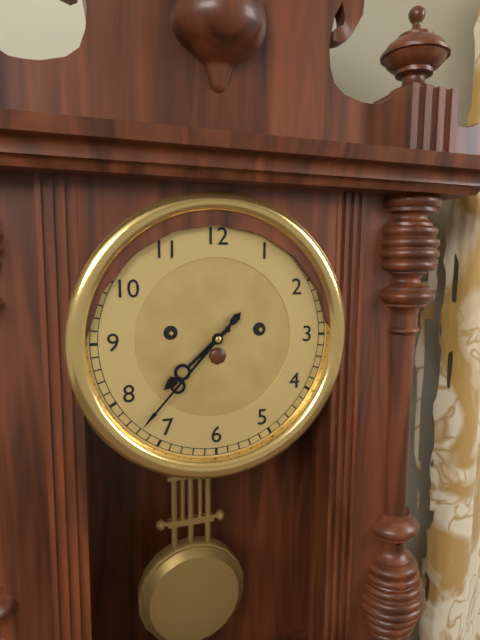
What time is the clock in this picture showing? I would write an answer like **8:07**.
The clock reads **7:37**
